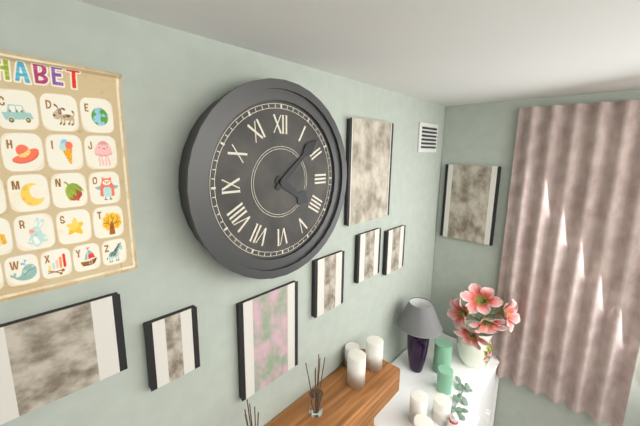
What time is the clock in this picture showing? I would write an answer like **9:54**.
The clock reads **4:08**
